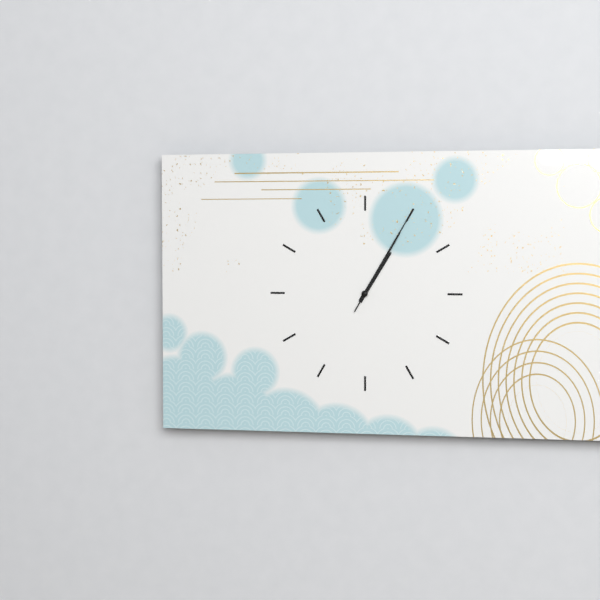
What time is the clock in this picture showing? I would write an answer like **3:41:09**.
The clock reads **1:05:05**
